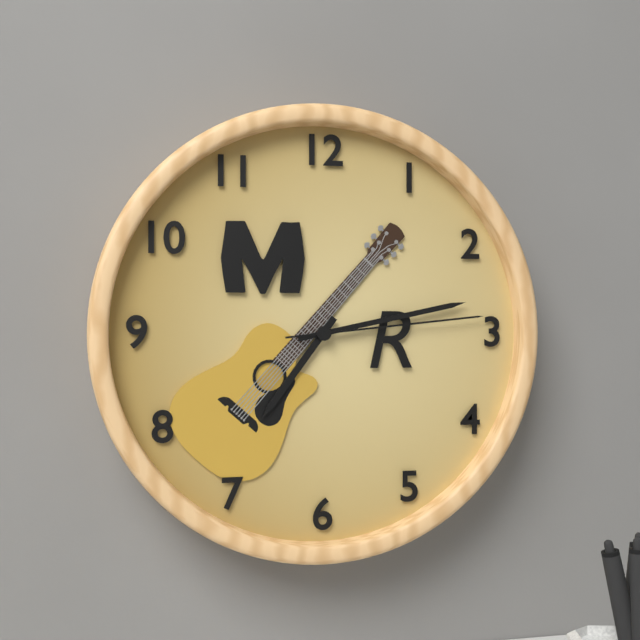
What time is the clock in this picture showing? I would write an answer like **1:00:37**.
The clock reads **7:13:14**
